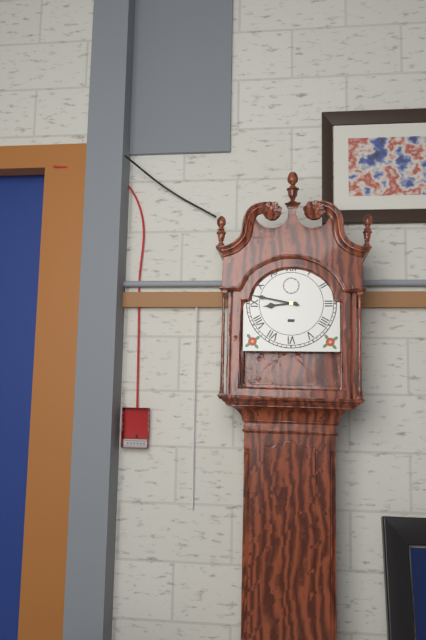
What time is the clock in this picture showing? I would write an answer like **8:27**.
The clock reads **8:47**
